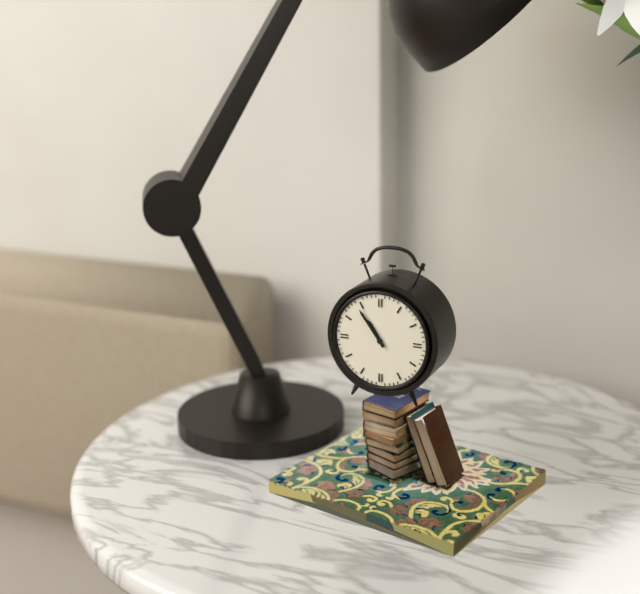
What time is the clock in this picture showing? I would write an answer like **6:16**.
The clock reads **10:54**
